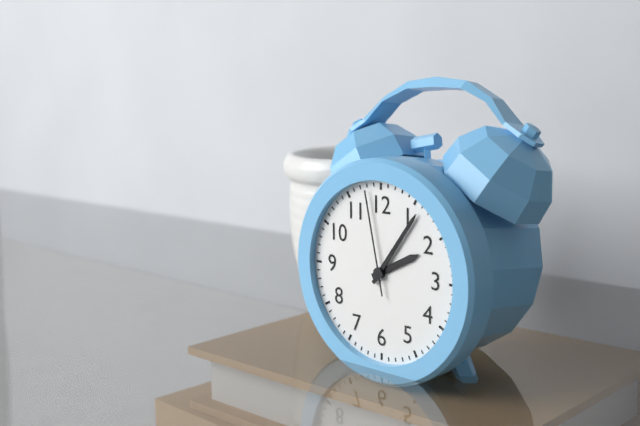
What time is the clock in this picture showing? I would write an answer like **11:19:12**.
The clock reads **2:06:58**
